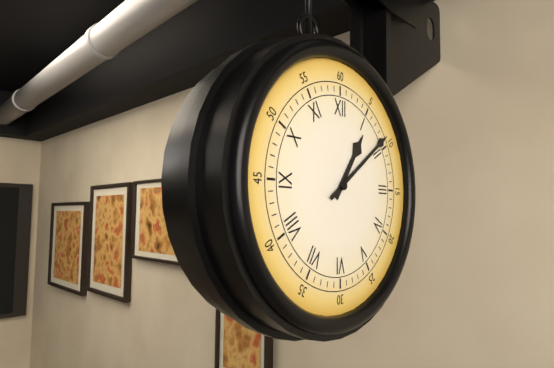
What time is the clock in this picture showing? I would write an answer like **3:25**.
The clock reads **1:09**
